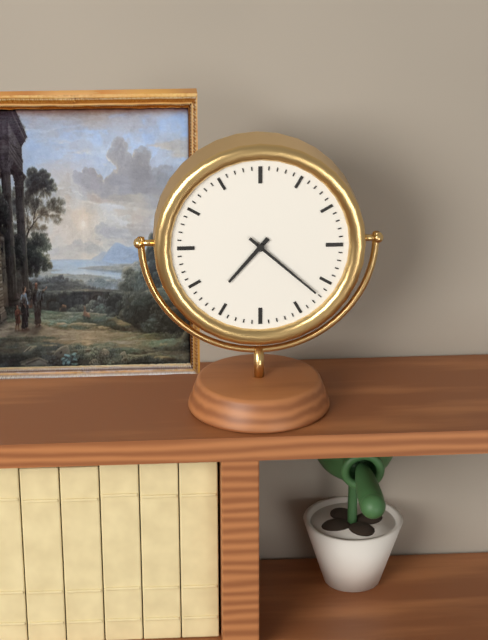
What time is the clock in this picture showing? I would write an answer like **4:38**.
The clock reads **7:22**
